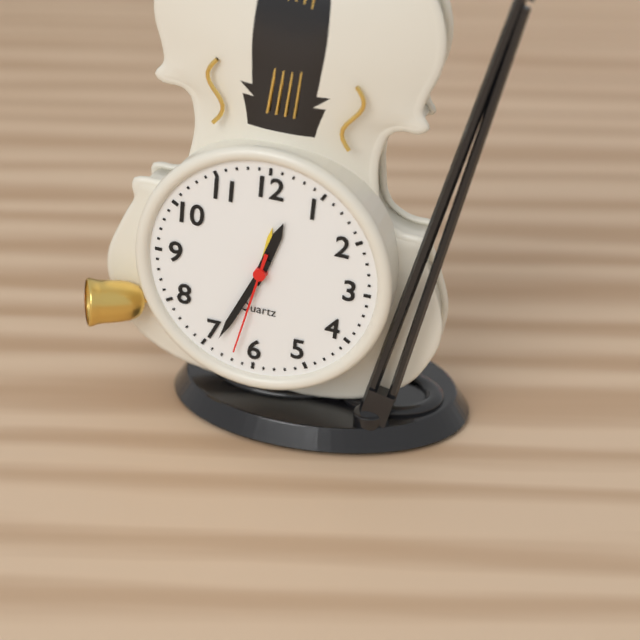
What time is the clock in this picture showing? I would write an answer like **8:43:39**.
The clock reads **12:34:32**
